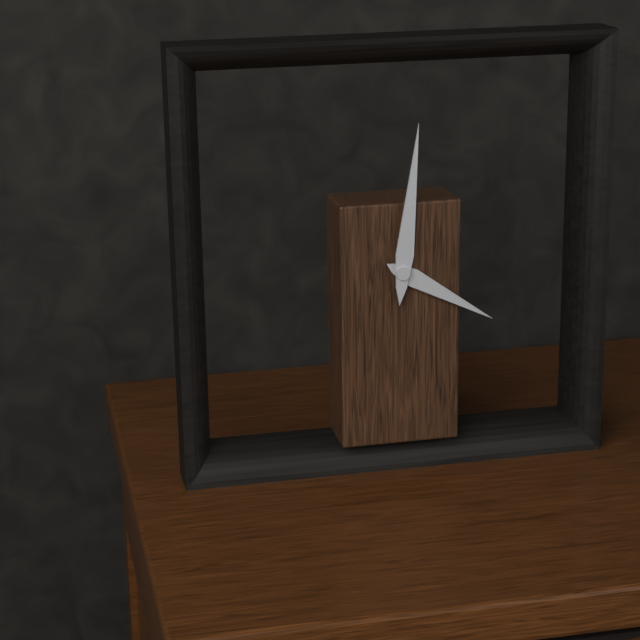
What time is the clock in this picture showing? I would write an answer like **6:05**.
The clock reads **4:01**
